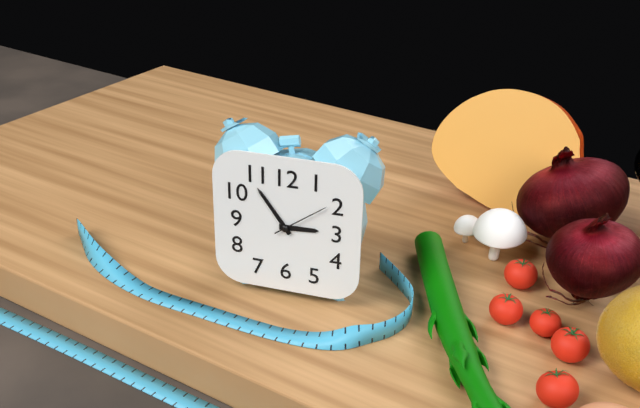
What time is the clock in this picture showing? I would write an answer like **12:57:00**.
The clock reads **2:54:09**
